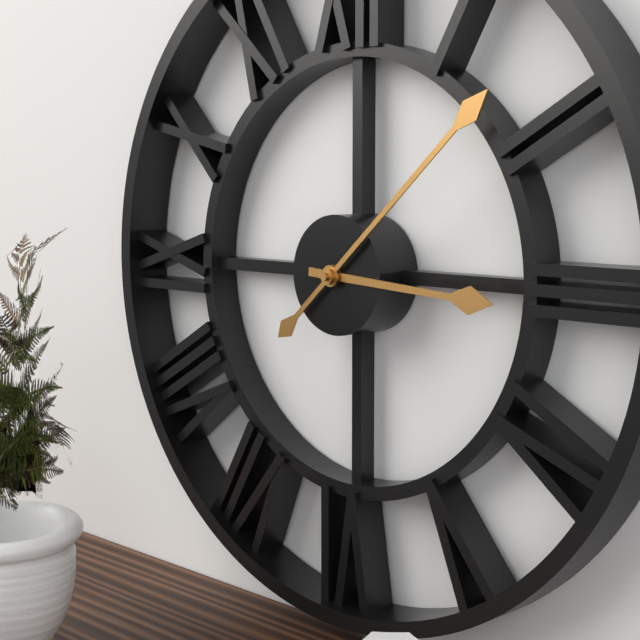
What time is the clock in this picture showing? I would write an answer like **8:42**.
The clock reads **3:08**
